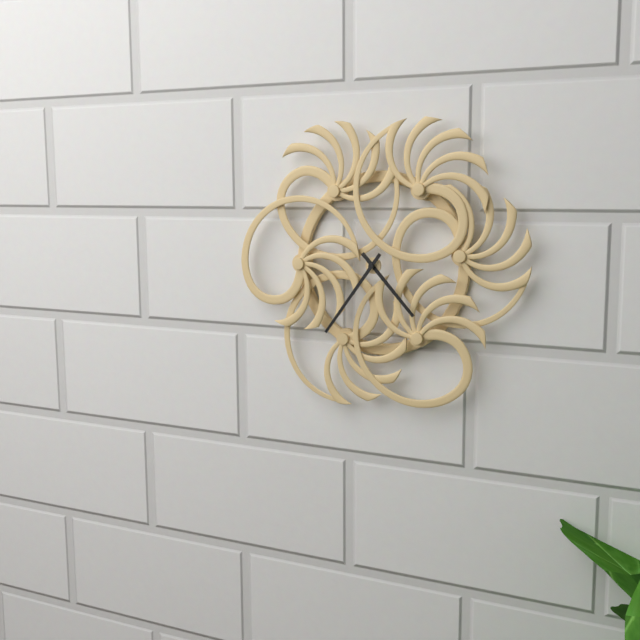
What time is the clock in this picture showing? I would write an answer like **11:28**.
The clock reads **4:36**
